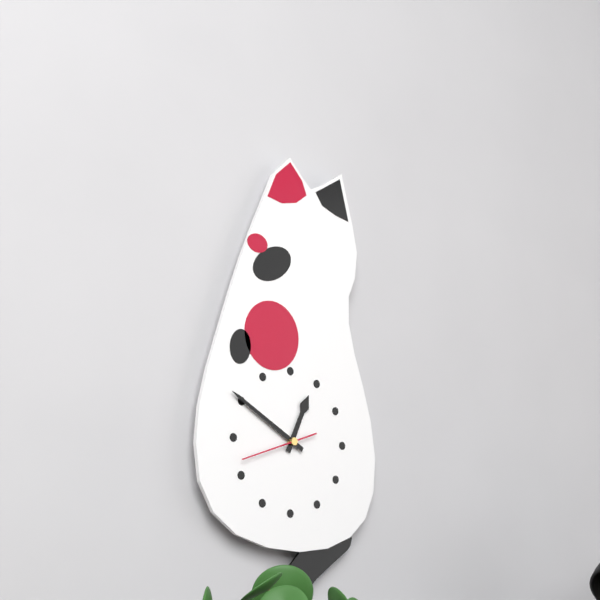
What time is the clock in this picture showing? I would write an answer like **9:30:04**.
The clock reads **12:50:42**
